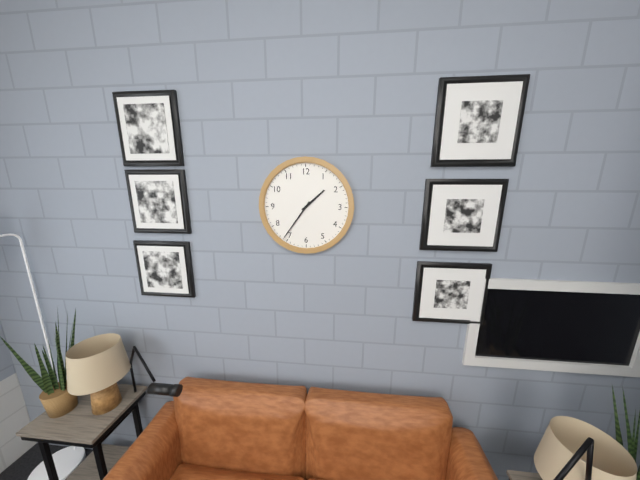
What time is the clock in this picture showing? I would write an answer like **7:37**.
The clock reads **1:36**
